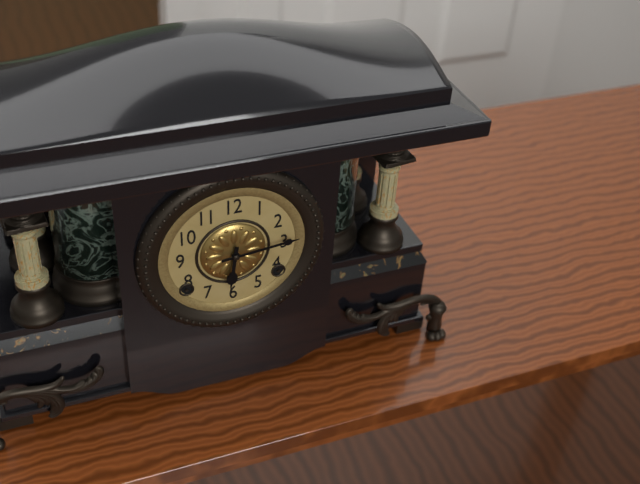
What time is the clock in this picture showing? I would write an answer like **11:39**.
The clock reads **6:14**
